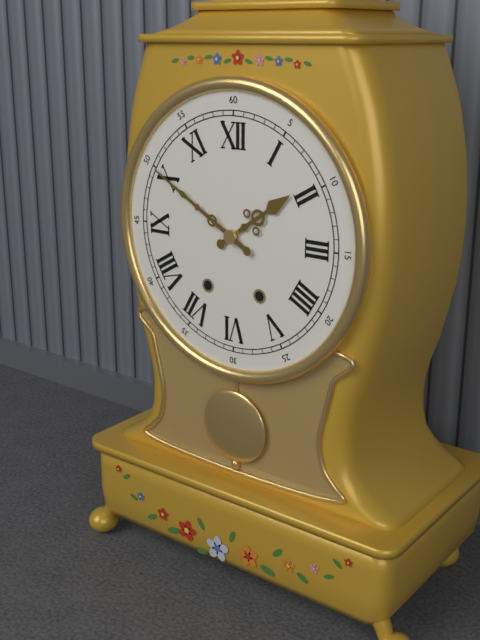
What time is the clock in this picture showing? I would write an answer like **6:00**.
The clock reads **1:50**
